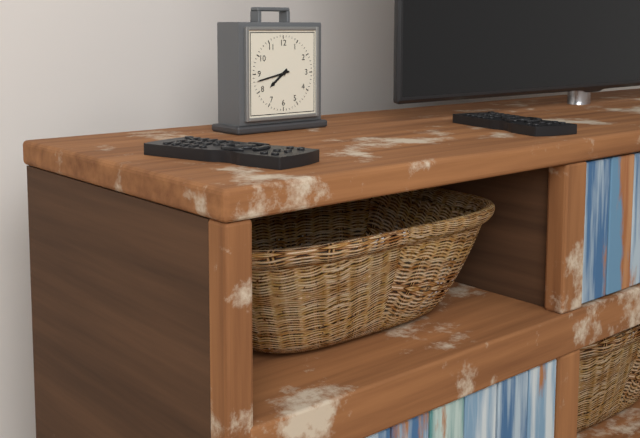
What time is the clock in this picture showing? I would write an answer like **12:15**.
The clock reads **7:43**
